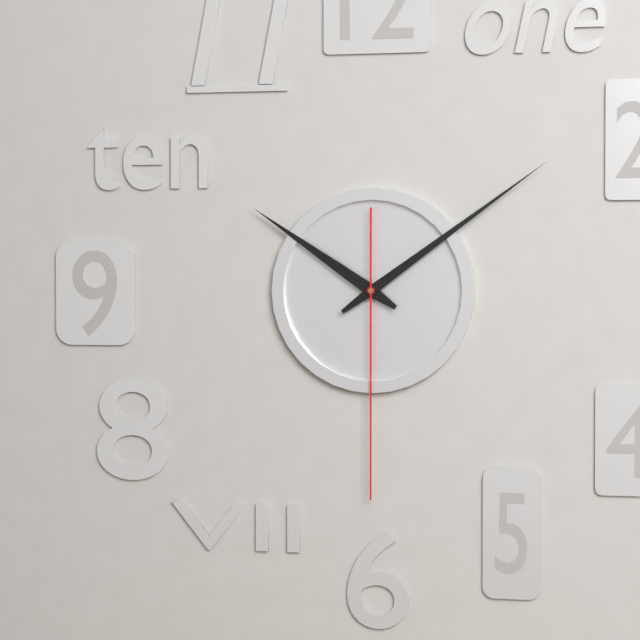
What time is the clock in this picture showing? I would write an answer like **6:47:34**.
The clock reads **10:09:30**
